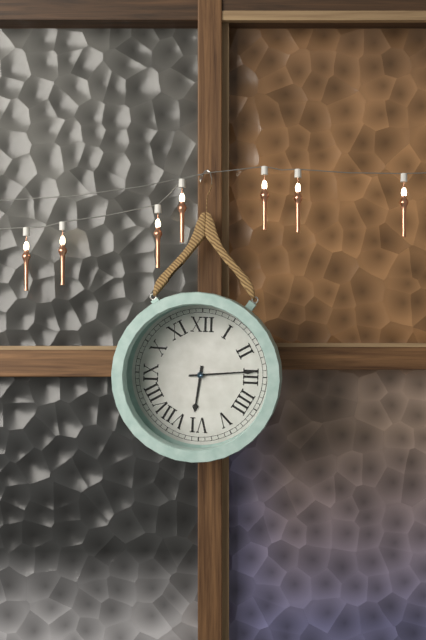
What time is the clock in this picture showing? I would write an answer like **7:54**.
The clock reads **6:14**
